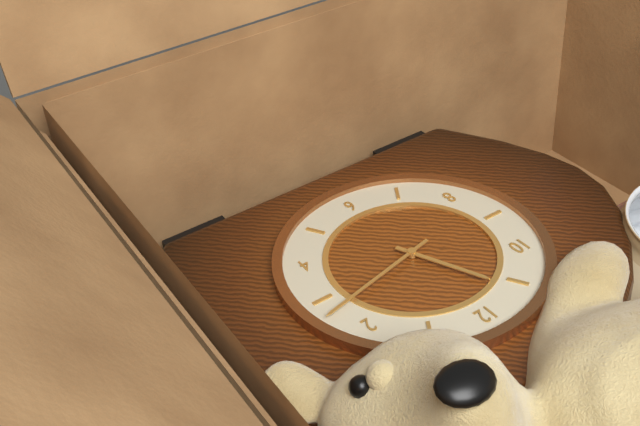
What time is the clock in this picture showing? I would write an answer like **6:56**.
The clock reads **11:13**
